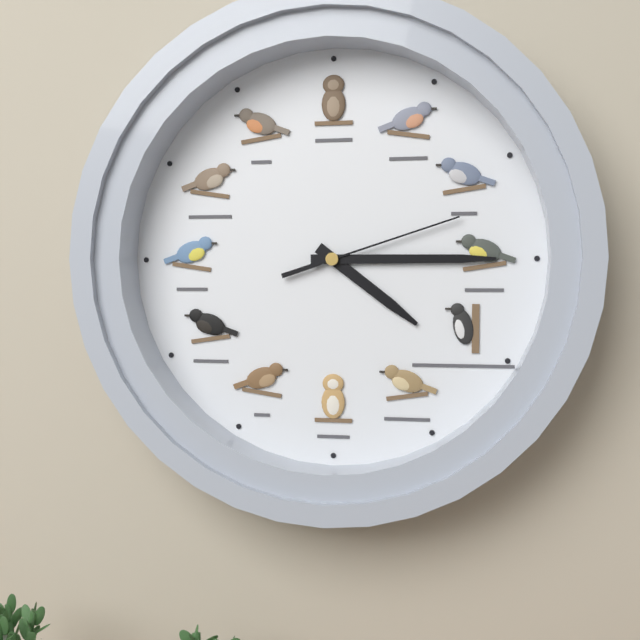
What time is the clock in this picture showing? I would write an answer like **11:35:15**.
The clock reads **4:15:12**
